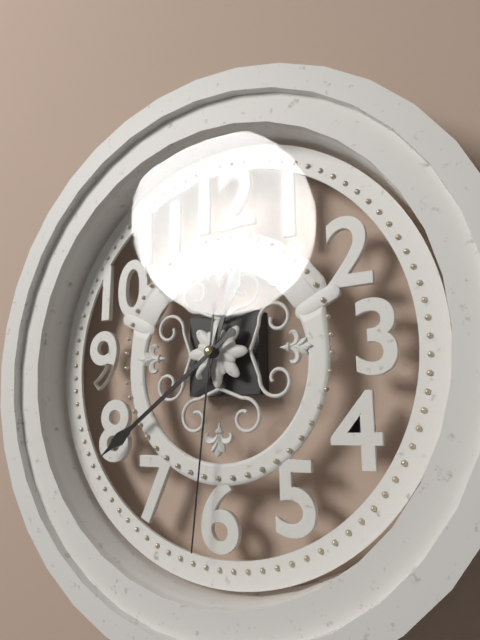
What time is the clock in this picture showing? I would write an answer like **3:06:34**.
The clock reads **12:39:31**
